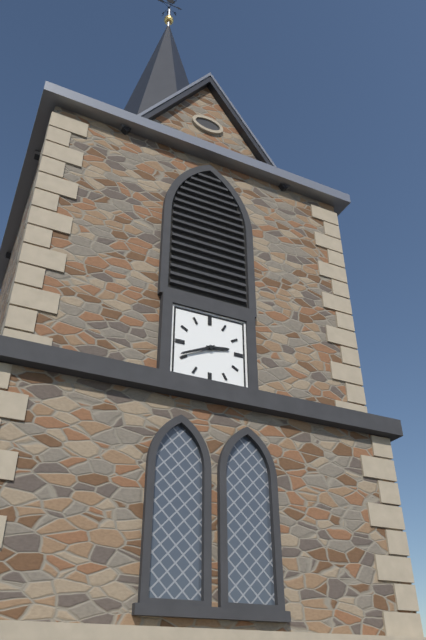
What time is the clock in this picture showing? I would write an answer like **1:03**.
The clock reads **2:41**
